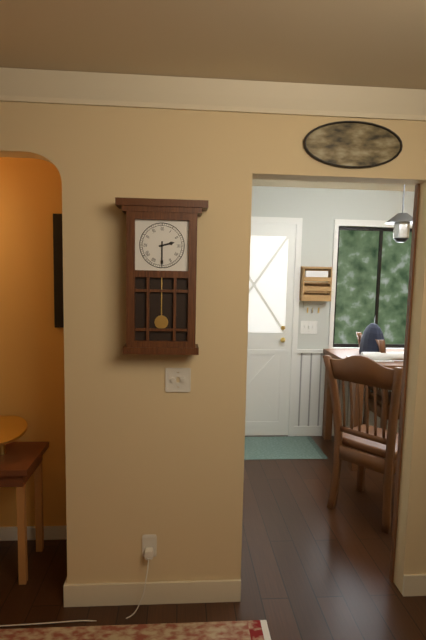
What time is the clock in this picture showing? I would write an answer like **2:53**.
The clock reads **2:30**
